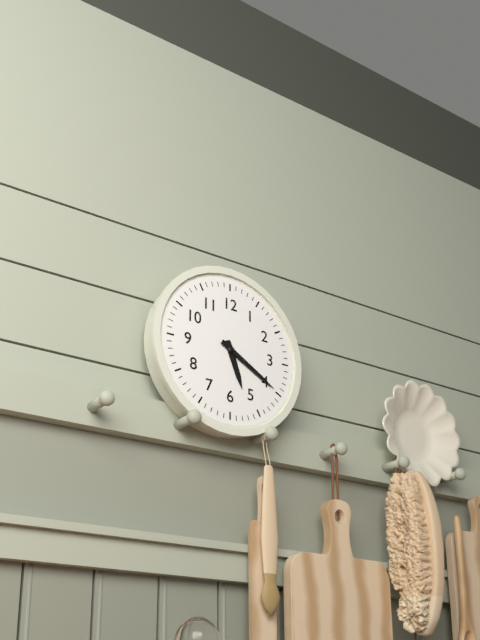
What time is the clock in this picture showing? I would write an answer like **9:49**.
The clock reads **5:20**
